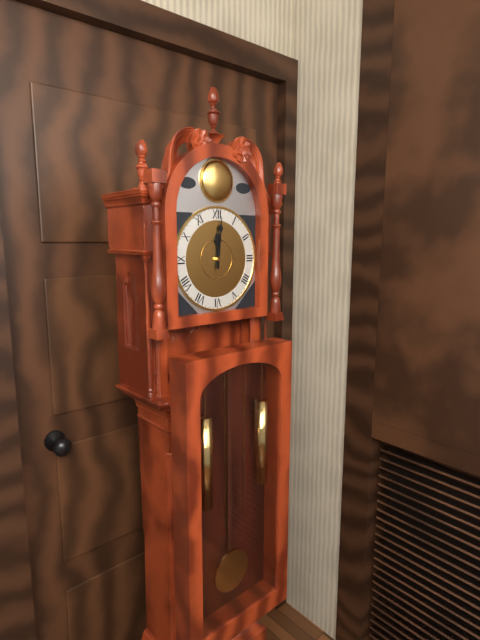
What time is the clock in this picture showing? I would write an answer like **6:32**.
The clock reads **12:01**
